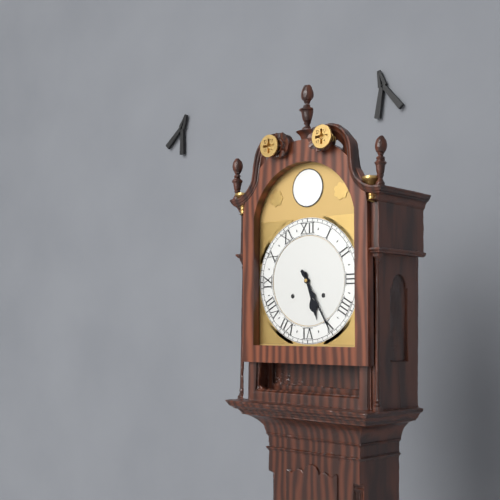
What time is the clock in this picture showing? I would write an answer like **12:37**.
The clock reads **5:25**
